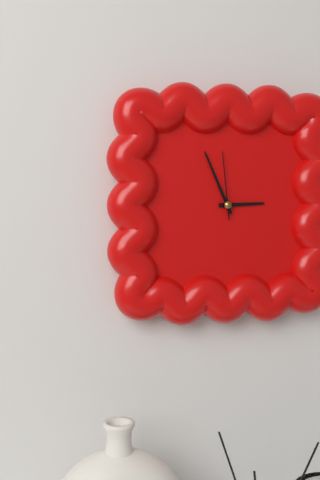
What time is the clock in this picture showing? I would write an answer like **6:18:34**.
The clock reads **2:56:59**
